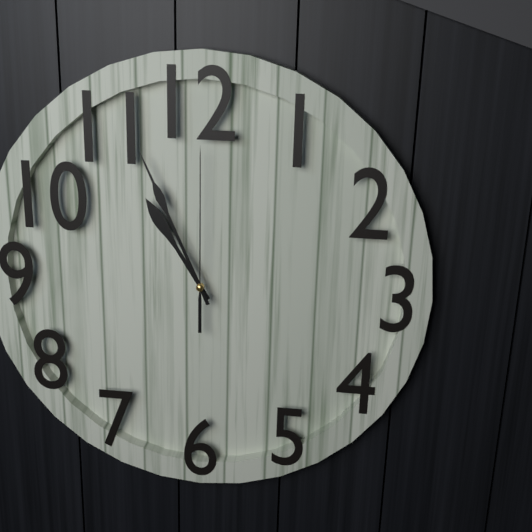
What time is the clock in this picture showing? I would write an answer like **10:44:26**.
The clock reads **10:56:00**
